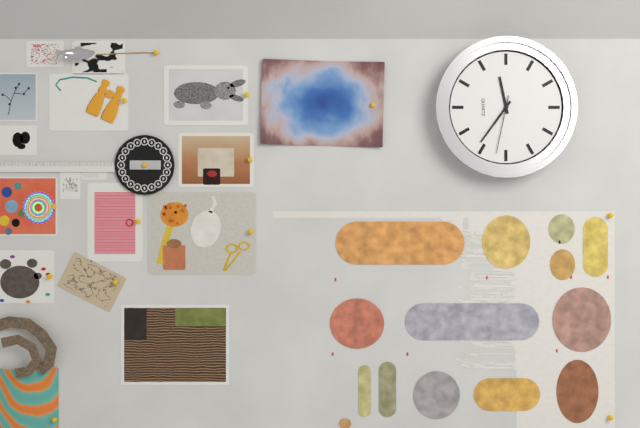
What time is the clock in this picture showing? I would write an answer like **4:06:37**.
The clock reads **11:36:32**
